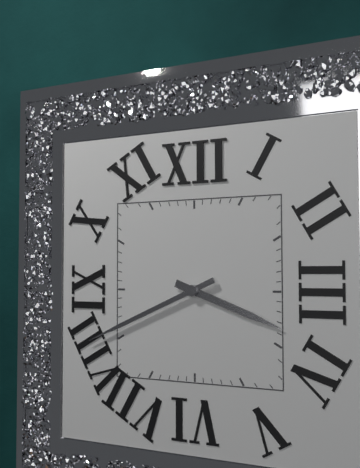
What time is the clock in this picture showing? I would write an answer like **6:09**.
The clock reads **3:41**
